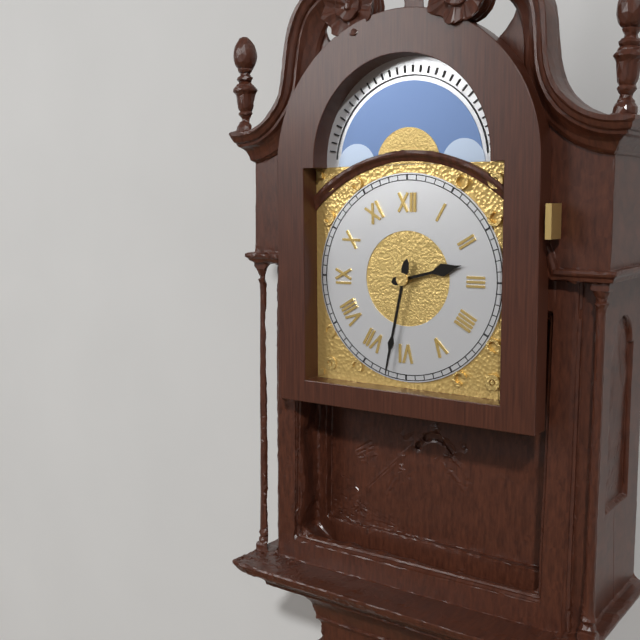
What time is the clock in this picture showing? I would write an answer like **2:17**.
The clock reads **2:32**
